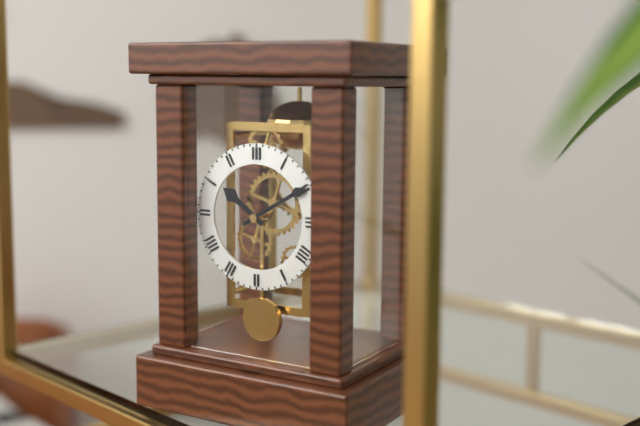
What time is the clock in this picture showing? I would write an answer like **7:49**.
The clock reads **10:10**
